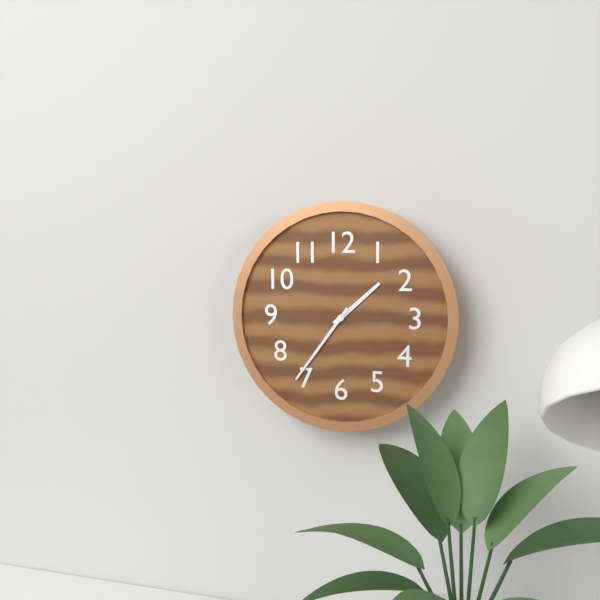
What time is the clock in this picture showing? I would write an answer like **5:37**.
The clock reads **1:36**
